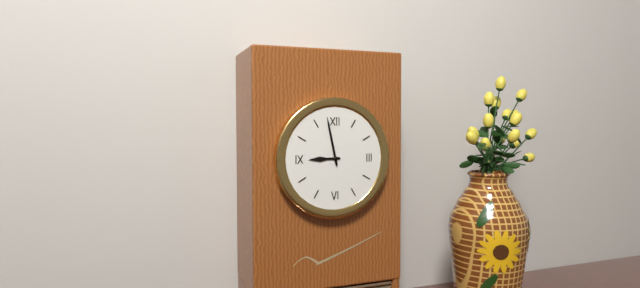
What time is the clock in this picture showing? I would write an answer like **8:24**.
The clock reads **8:58**
